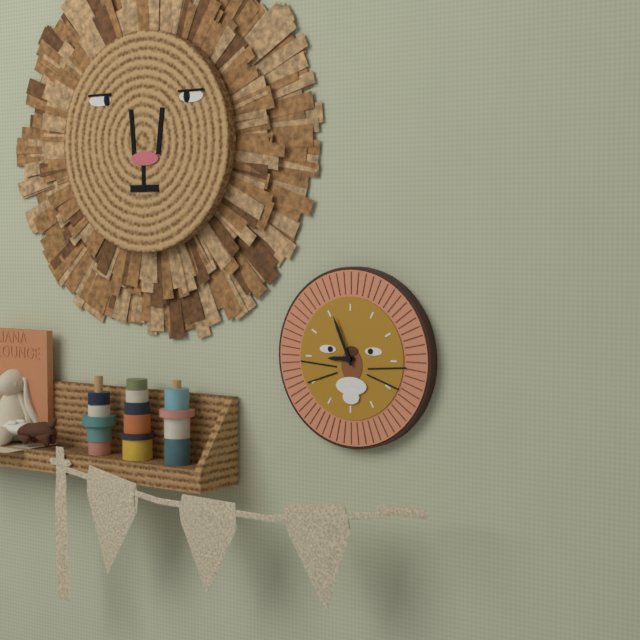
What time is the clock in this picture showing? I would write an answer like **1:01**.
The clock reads **8:56**
